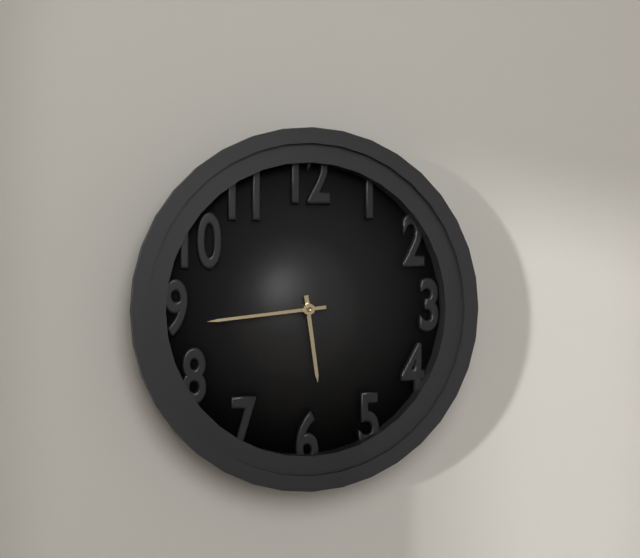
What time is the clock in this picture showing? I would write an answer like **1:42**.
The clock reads **5:44**
